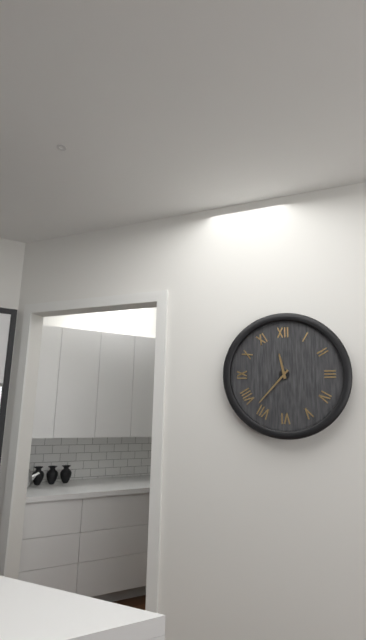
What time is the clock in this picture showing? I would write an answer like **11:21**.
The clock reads **11:37**
